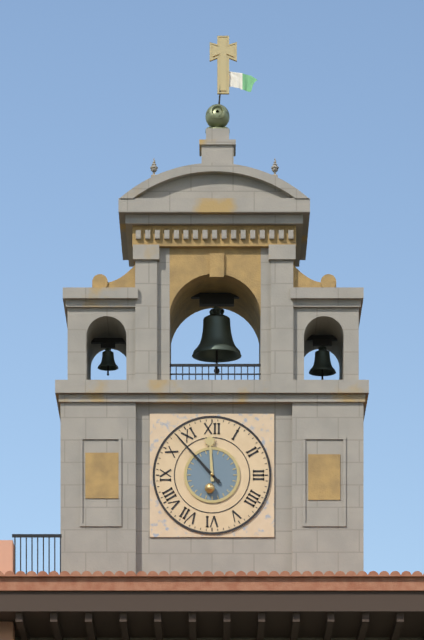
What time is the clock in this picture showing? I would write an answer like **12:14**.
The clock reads **11:53**
